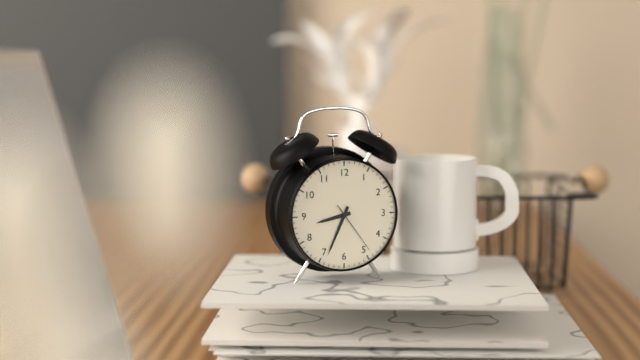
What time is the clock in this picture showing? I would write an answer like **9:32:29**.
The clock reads **8:34:24**
